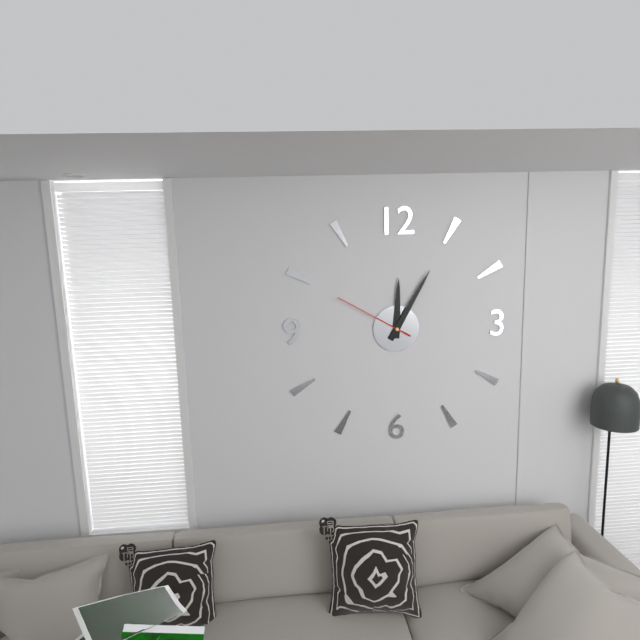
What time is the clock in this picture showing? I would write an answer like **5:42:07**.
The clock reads **12:05:50**
